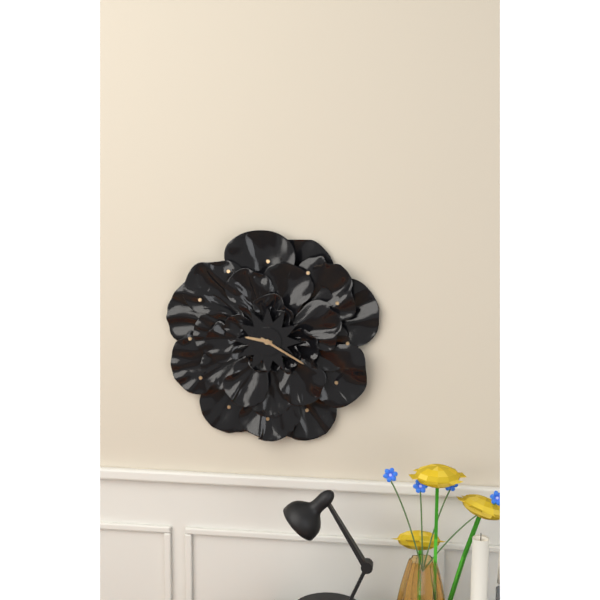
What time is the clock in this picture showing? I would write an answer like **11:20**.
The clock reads **9:20**
